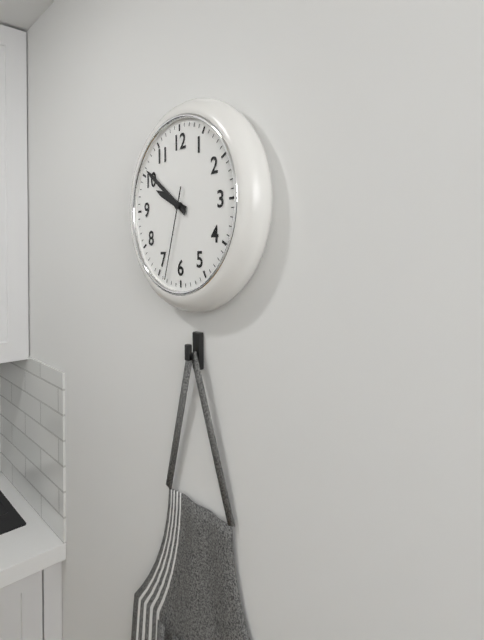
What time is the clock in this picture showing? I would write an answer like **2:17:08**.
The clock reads **9:51:33**
